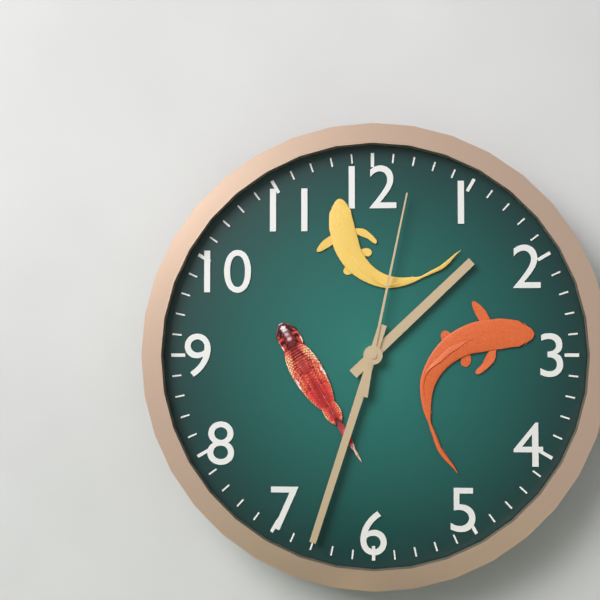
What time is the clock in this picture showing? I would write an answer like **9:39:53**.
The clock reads **1:33:02**
